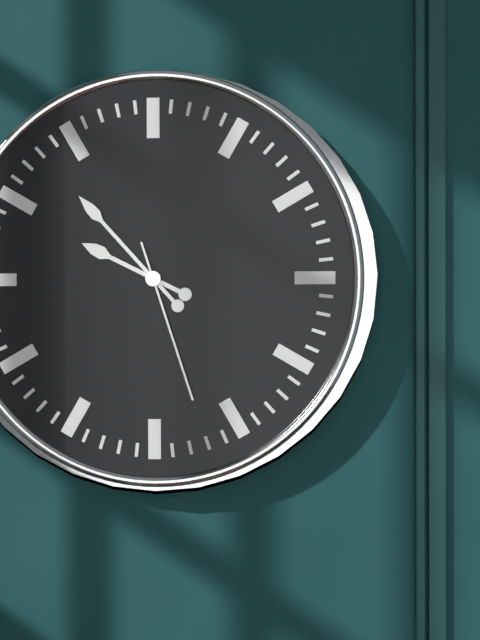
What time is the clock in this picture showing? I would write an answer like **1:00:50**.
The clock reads **9:53:27**
